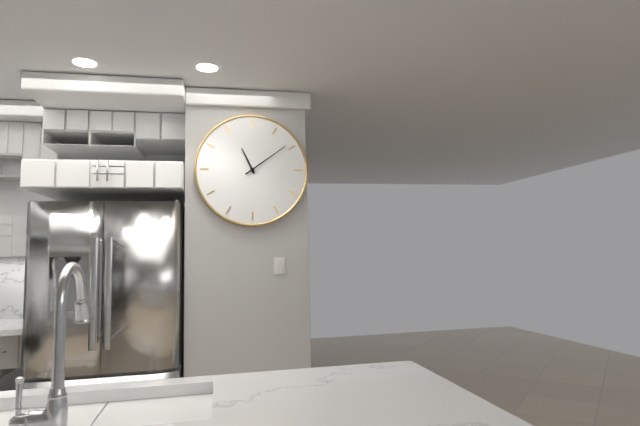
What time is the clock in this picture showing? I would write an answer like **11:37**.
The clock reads **11:09**
